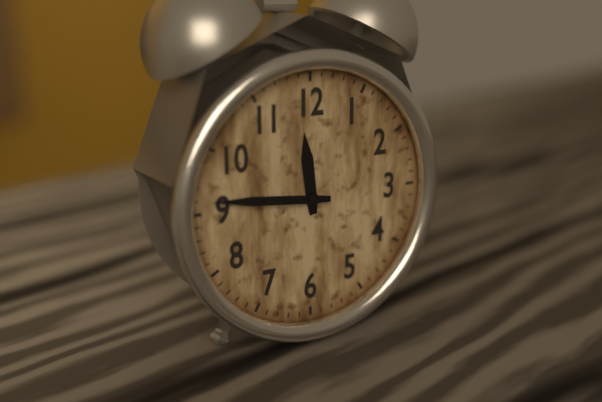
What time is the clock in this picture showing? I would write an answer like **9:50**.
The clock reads **11:46**
